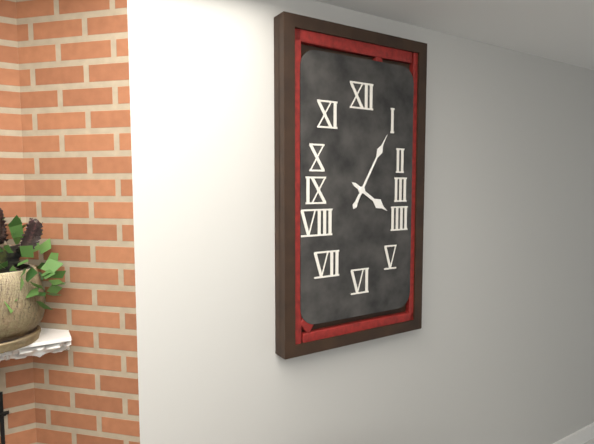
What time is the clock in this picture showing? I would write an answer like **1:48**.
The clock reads **4:05**
